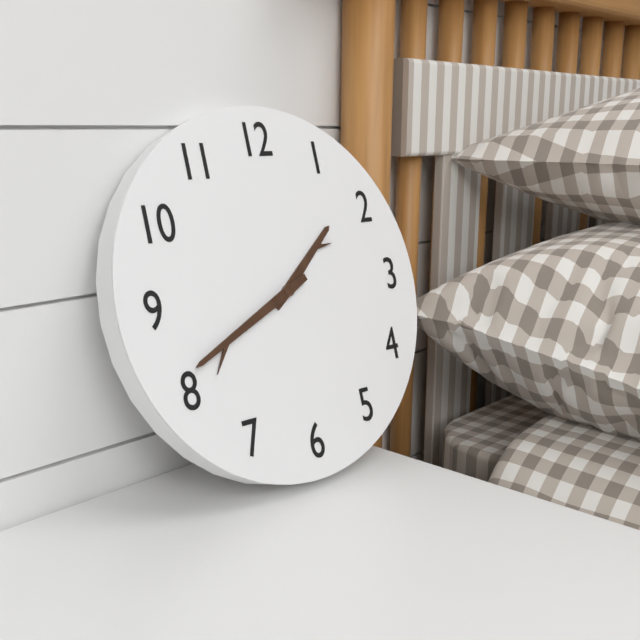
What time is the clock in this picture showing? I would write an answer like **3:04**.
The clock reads **1:41**
